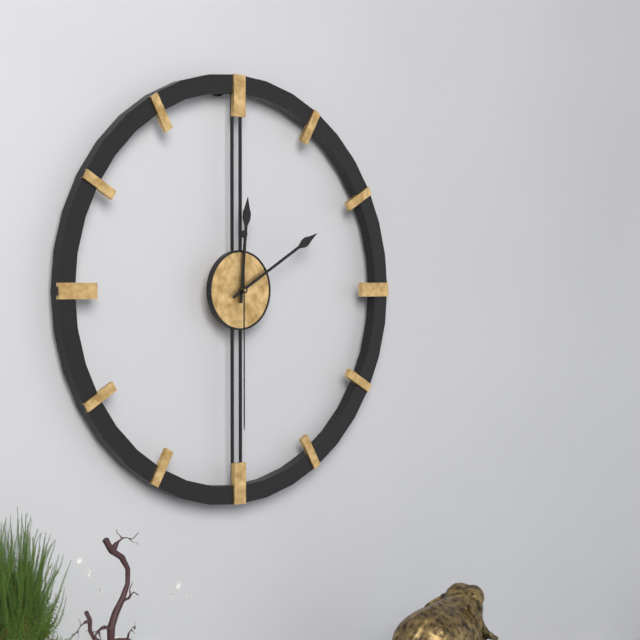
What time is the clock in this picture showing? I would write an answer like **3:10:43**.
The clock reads **12:10:30**
